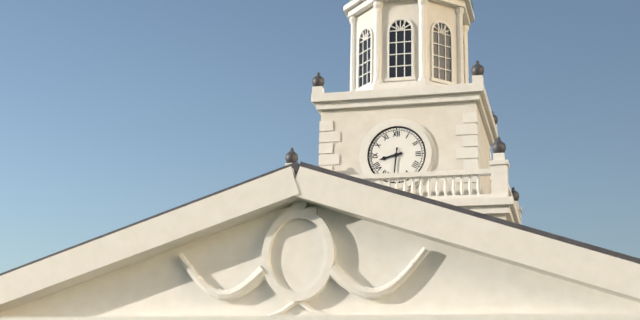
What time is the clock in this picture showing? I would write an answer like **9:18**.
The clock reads **8:31**
